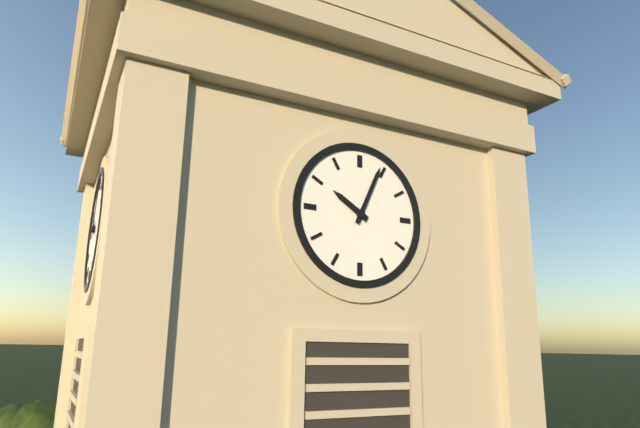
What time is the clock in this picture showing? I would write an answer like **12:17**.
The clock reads **10:04**
